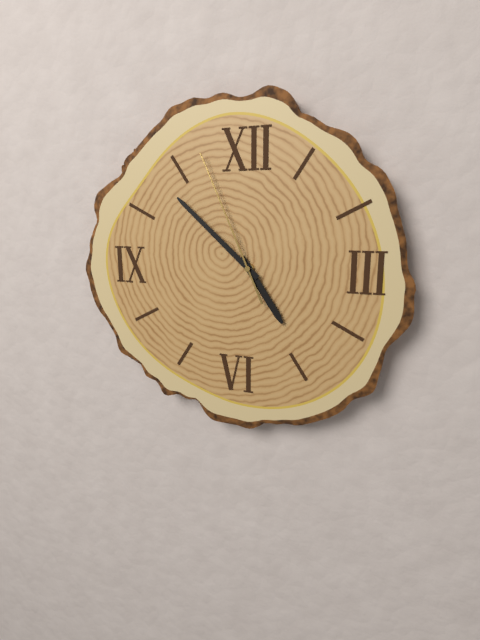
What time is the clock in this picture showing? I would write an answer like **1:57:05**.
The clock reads **4:52:56**
